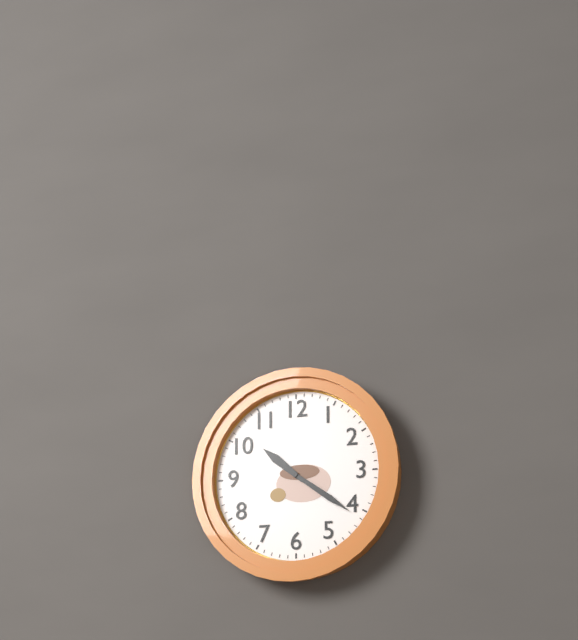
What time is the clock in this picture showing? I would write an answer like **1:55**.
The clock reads **10:21**
